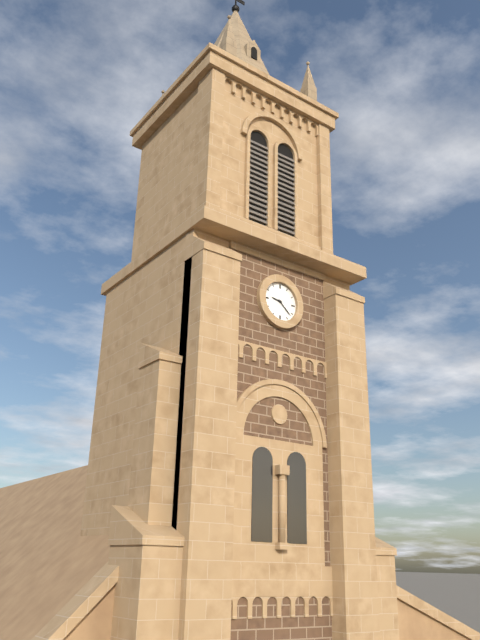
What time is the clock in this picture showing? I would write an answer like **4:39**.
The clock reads **9:22**
